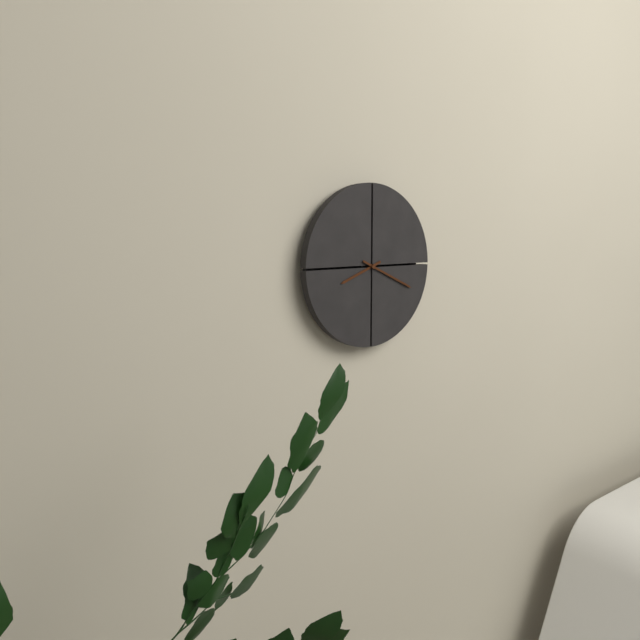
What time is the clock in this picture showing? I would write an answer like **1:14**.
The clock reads **8:19**
